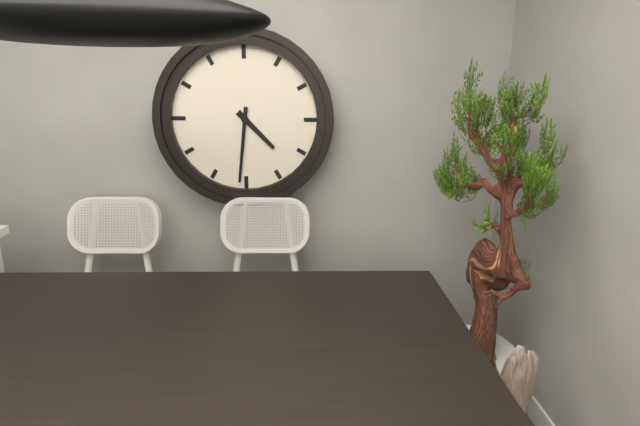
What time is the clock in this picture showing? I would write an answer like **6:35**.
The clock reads **4:31**
